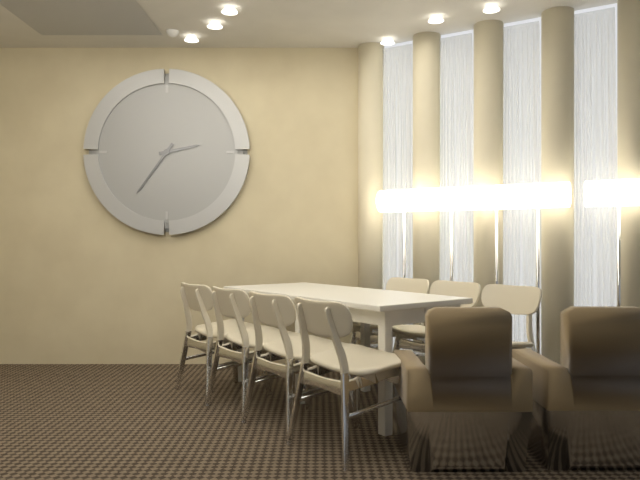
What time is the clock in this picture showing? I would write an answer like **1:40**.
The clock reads **2:36**
